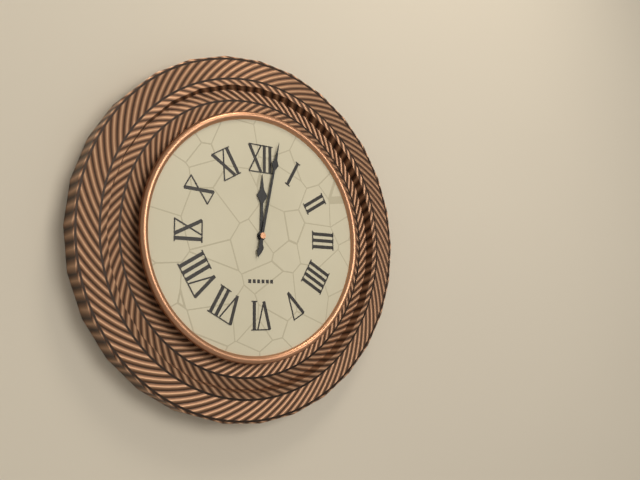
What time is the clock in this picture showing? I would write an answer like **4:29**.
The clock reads **12:02**
